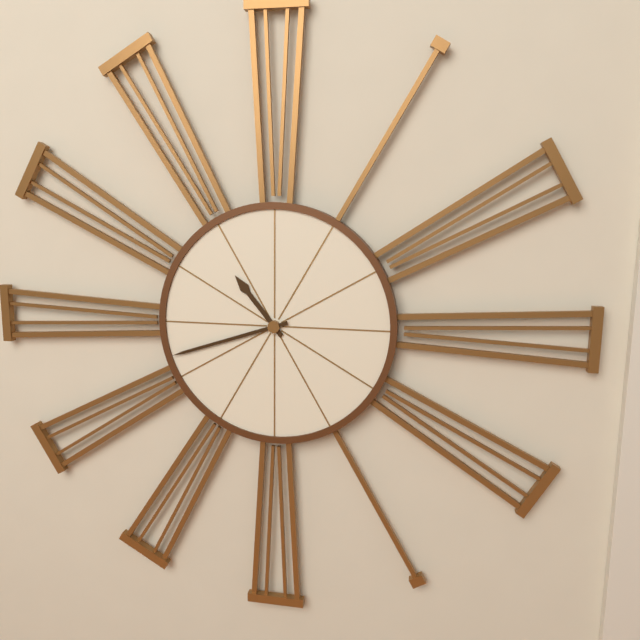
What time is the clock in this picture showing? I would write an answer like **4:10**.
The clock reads **10:42**
